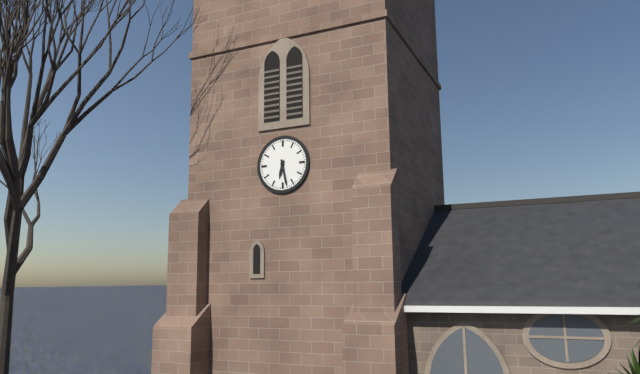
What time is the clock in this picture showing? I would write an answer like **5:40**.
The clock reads **6:28**
